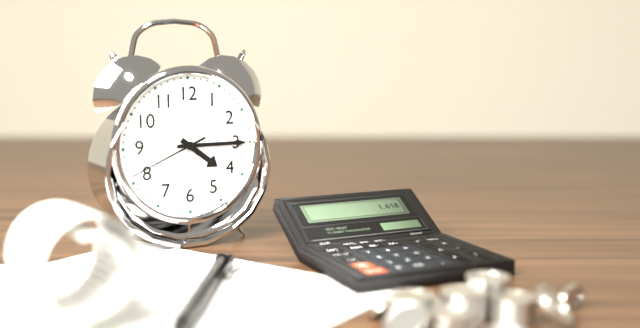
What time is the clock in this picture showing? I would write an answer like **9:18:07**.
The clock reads **4:15:41**
